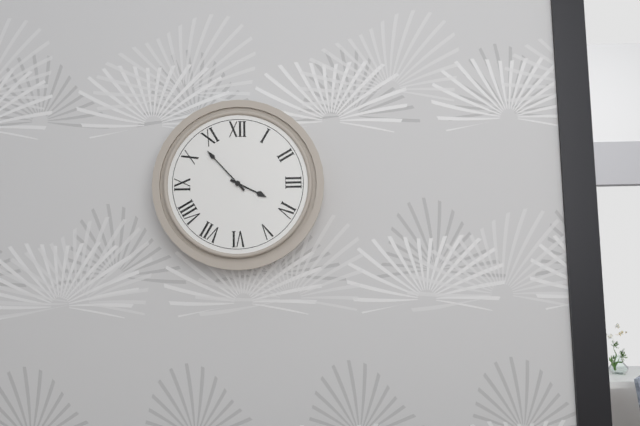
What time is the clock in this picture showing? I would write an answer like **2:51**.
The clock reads **3:53**
